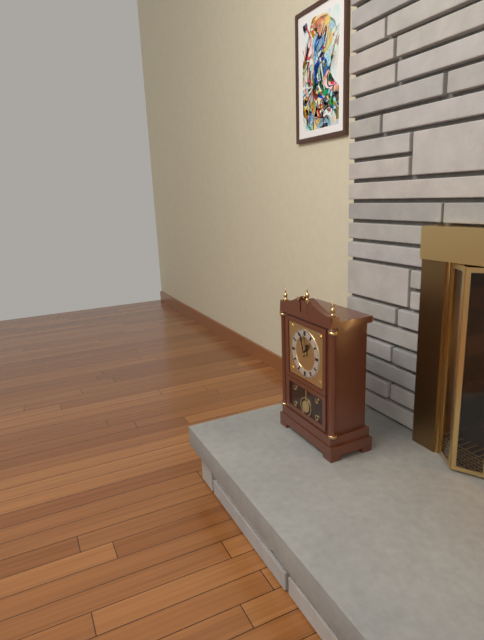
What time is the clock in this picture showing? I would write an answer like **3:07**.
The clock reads **12:57**
